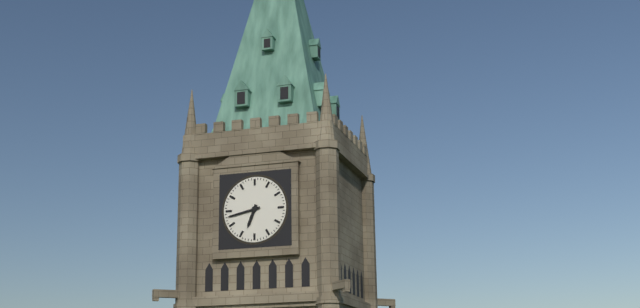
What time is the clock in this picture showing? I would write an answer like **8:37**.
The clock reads **6:43**
